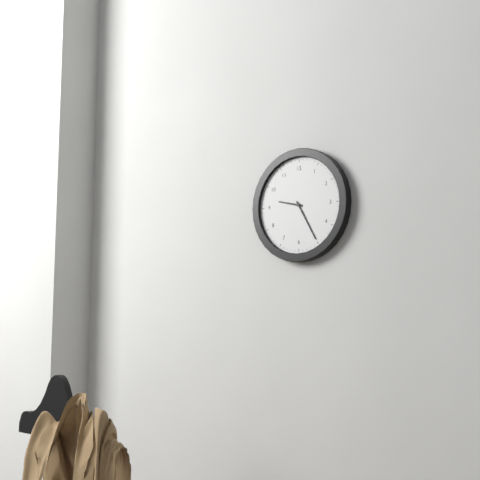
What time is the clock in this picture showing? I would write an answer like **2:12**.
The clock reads **9:25**
